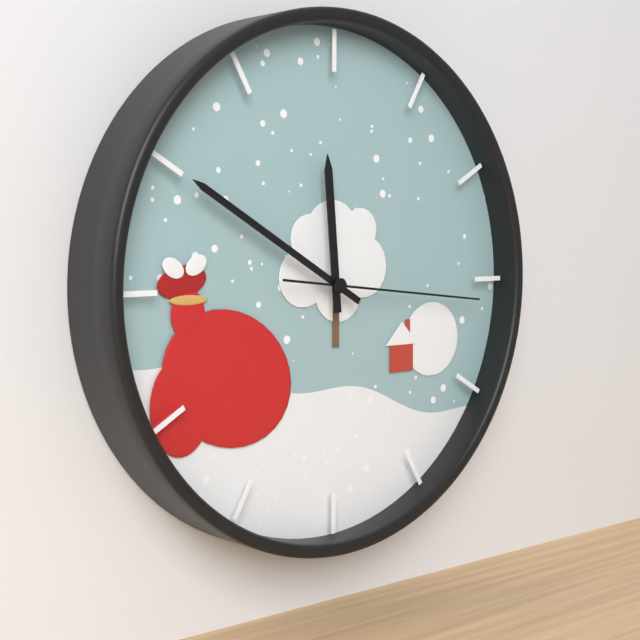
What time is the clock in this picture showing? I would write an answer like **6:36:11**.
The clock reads **11:50:16**
